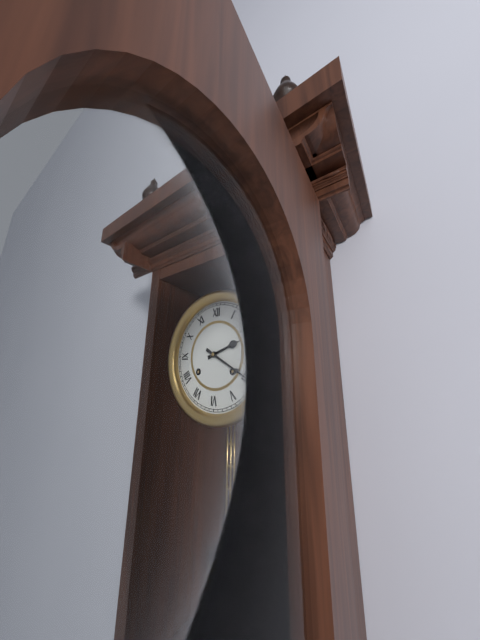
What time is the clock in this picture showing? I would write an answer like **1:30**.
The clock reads **2:20**
